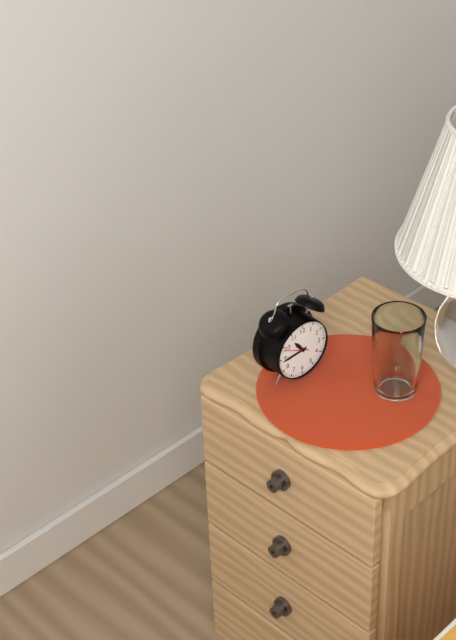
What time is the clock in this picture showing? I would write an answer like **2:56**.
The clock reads **10:44**
